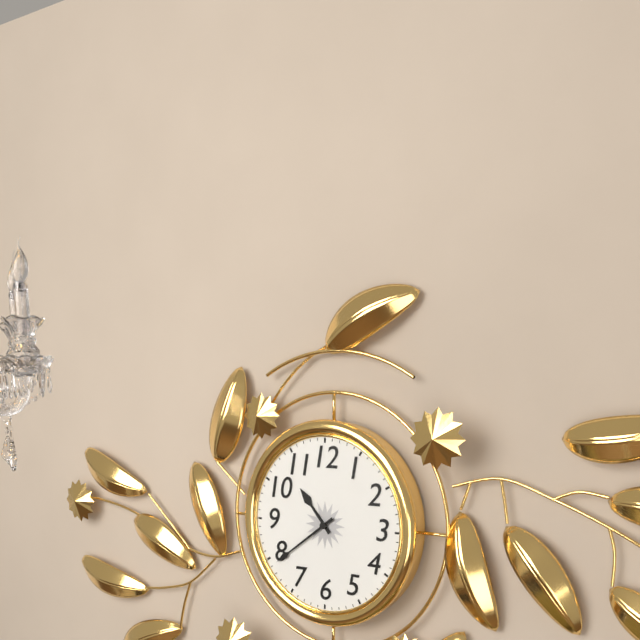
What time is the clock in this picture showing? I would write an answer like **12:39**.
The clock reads **10:39**
